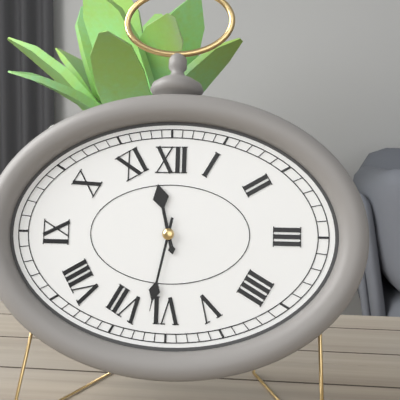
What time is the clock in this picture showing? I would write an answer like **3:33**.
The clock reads **11:32**
